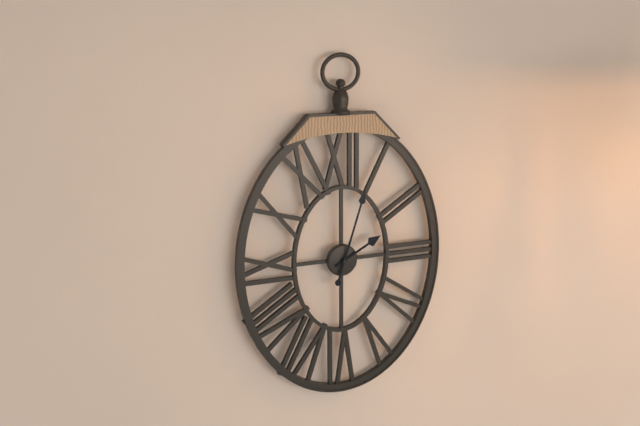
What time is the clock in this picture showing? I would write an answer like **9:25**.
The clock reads **2:03**
